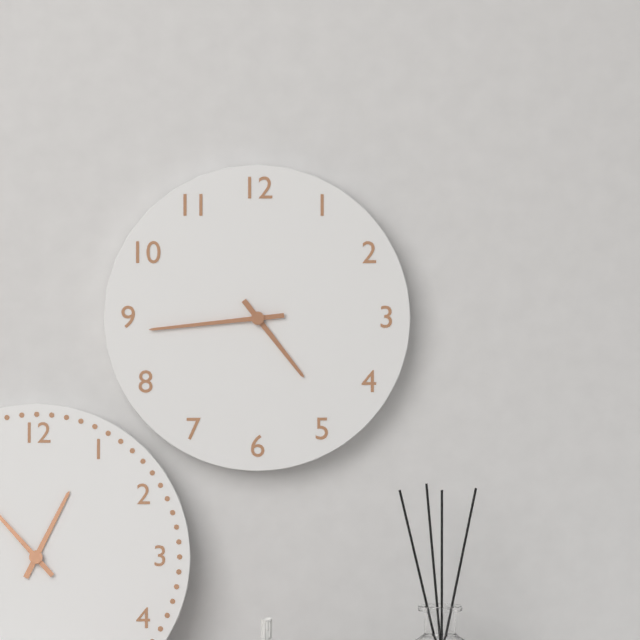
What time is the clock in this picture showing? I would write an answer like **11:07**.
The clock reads **4:44**
